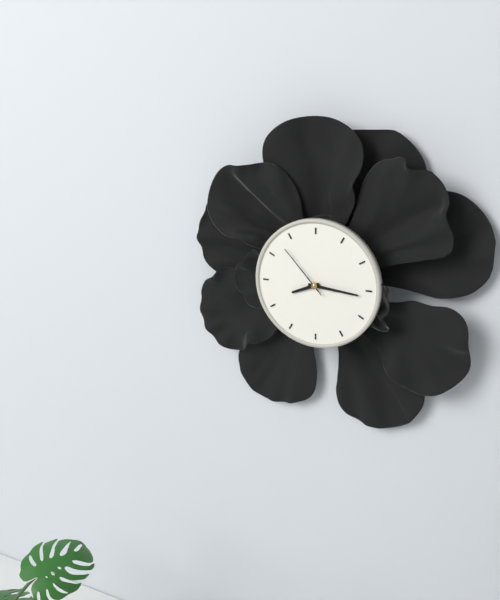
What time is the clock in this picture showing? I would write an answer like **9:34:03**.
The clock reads **8:16:53**
